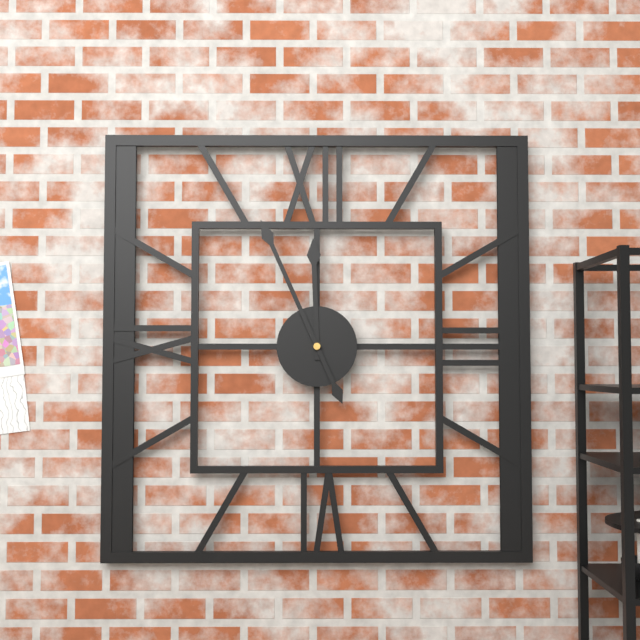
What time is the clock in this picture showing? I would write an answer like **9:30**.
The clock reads **11:56**
